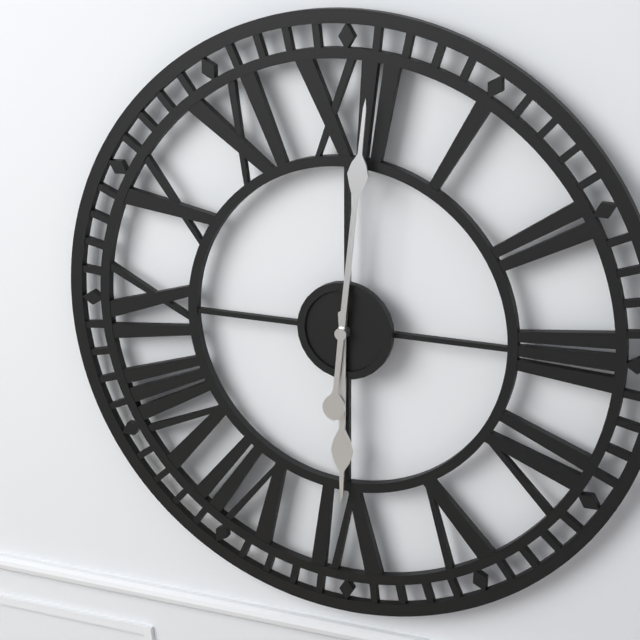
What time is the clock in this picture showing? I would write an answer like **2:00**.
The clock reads **6:01**
